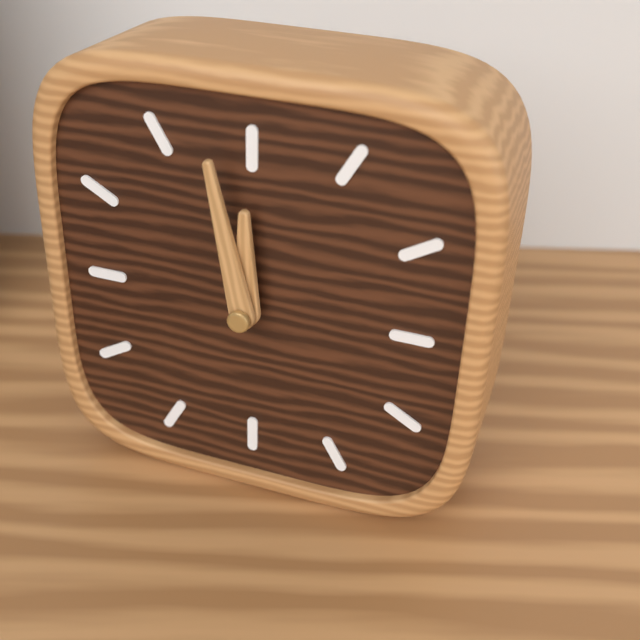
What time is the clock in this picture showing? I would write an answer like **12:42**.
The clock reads **11:58**
